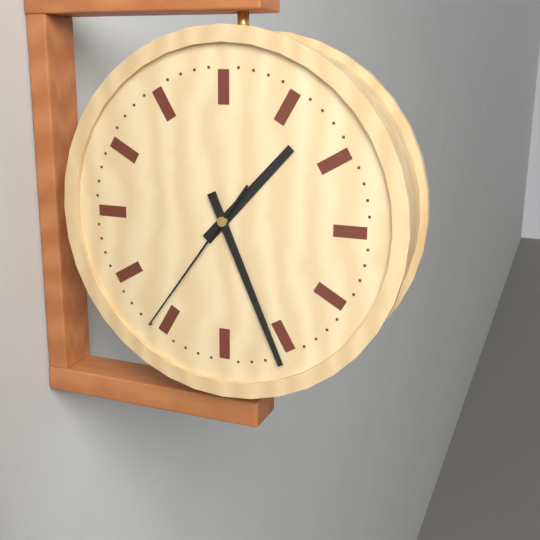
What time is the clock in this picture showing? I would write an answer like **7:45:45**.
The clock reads **1:26:36**
